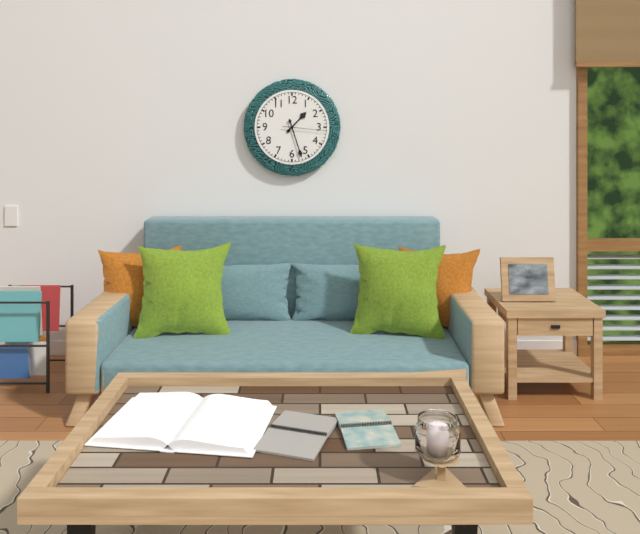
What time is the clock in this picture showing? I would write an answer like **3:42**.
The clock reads **1:27**
